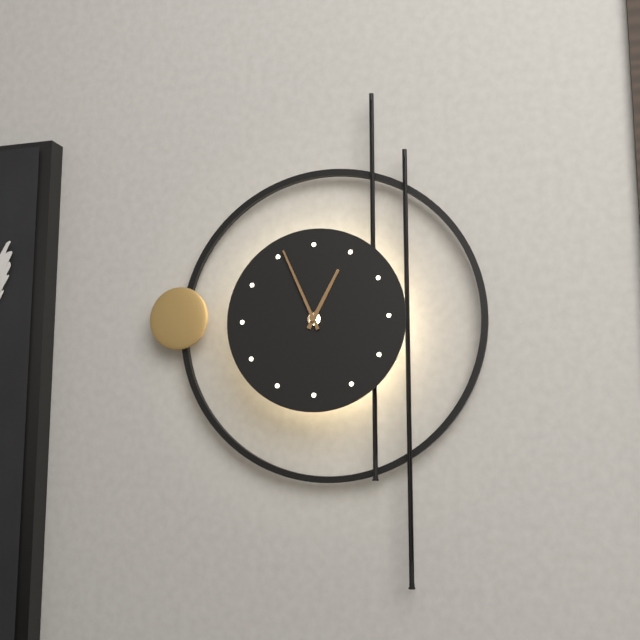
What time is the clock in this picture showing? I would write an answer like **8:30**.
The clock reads **12:56**
